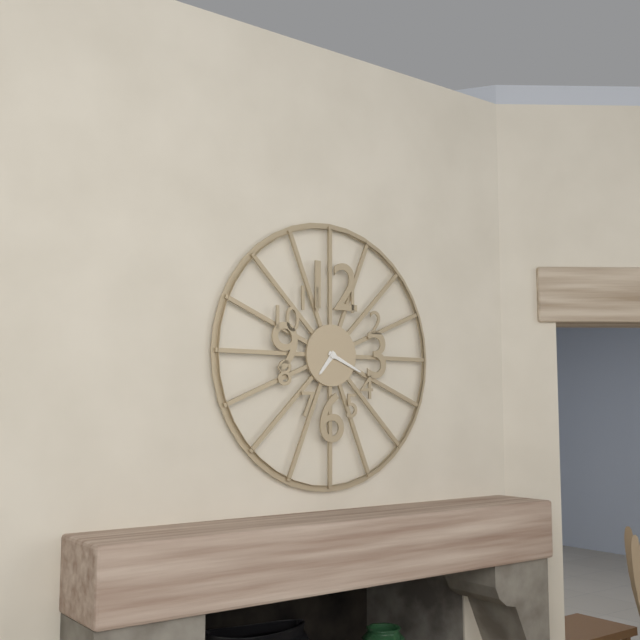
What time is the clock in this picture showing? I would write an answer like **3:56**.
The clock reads **7:19**
